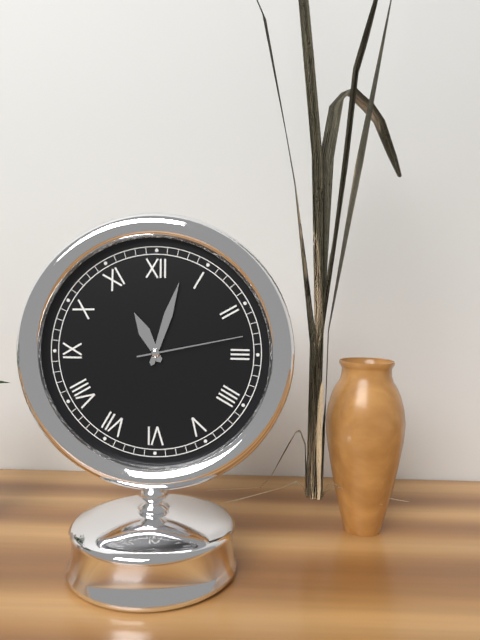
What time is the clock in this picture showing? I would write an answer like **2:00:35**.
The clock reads **11:03:13**
